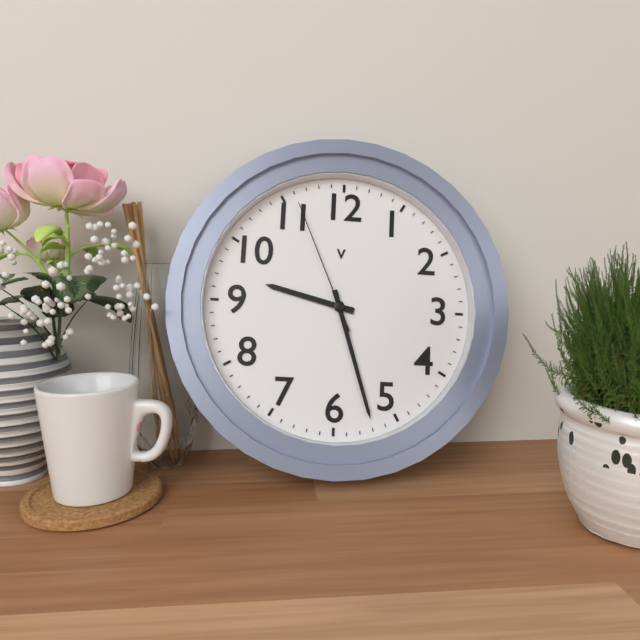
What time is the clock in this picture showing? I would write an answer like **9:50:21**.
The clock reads **9:27:56**
